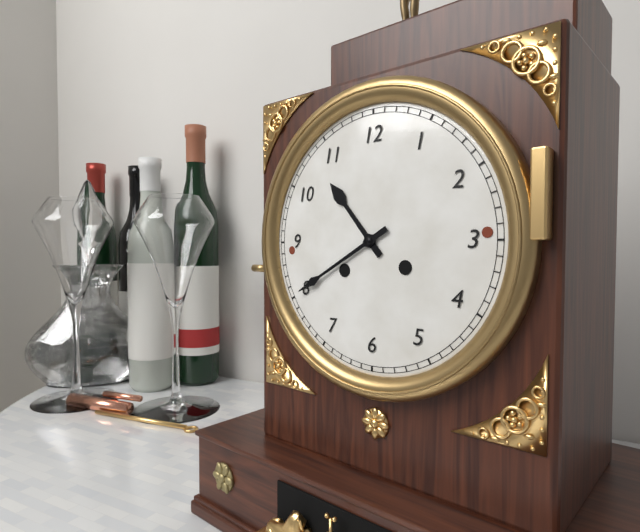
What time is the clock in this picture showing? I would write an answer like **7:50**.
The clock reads **10:40**
